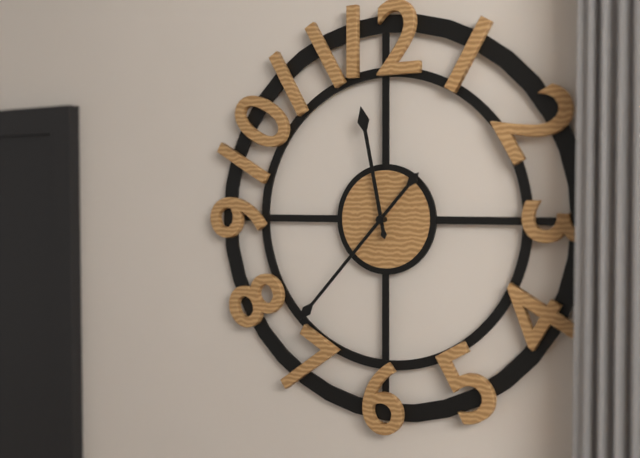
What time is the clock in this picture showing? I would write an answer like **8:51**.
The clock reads **11:37**
